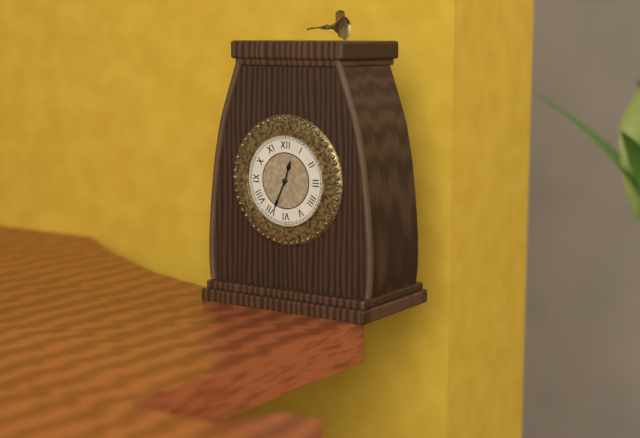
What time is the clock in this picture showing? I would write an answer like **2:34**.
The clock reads **12:34**
